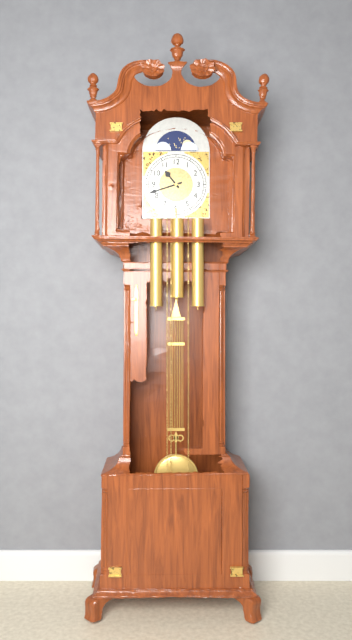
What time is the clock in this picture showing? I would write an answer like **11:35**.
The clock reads **10:42**
